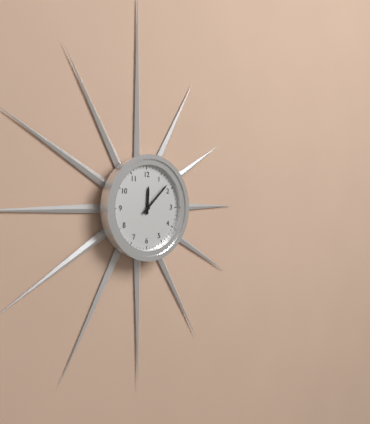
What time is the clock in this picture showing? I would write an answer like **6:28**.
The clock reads **12:08**
